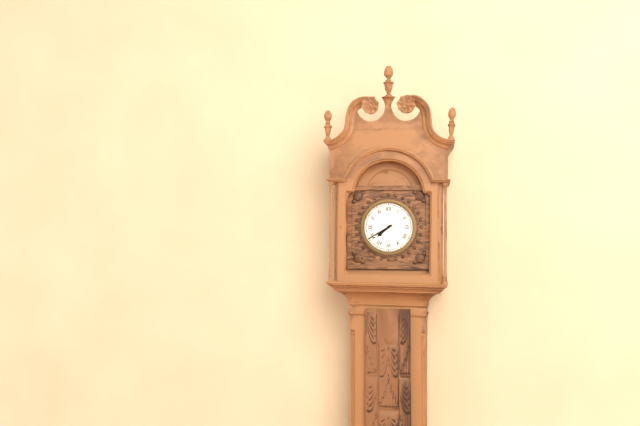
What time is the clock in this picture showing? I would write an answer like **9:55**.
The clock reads **7:40**
